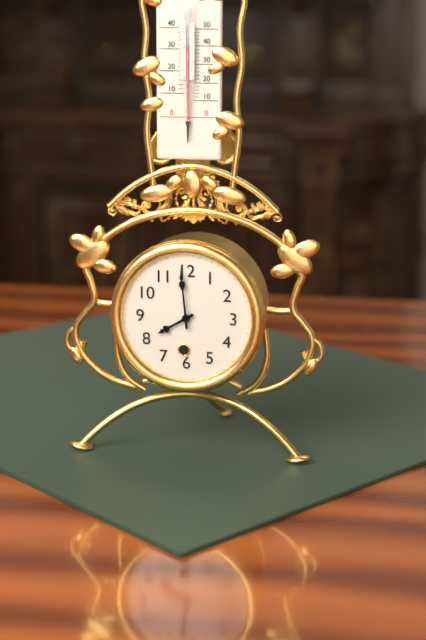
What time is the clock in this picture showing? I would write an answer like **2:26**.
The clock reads **7:59**
